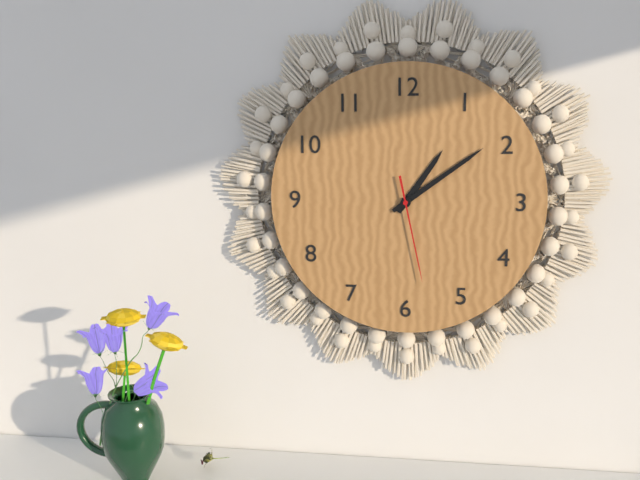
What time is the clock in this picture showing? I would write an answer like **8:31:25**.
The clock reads **1:09:28**
